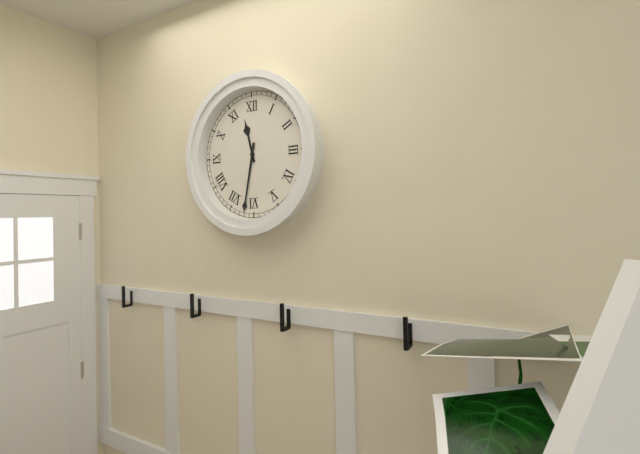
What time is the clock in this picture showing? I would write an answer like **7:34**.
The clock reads **11:32**
